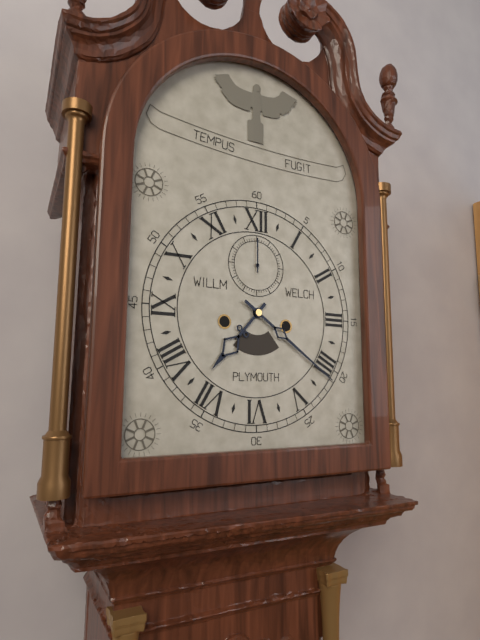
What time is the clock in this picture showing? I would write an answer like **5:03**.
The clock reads **7:21**
